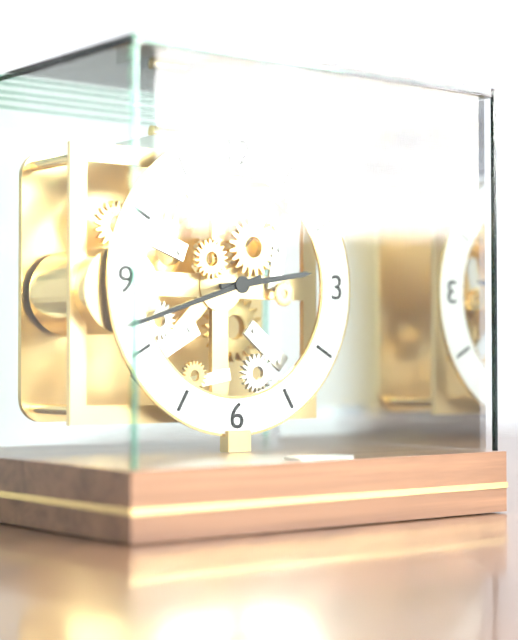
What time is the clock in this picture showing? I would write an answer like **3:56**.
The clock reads **2:42**
